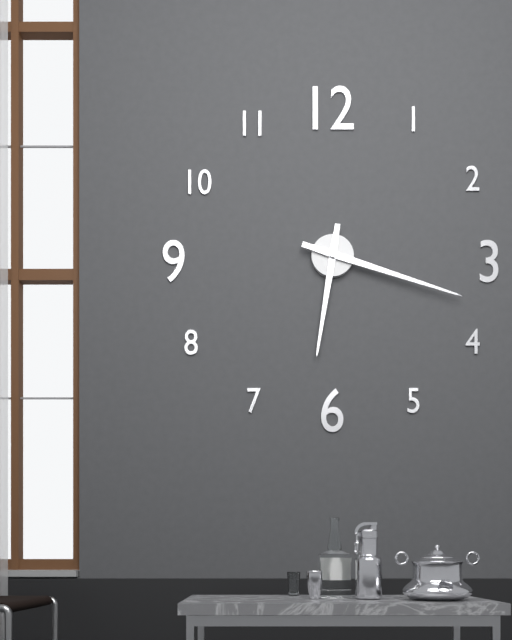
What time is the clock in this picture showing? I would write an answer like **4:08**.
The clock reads **6:18**
